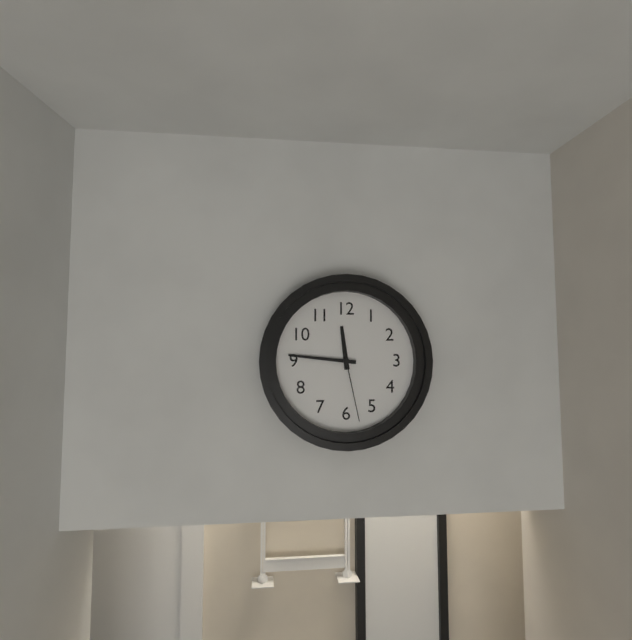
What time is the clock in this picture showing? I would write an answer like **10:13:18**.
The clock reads **11:46:28**
